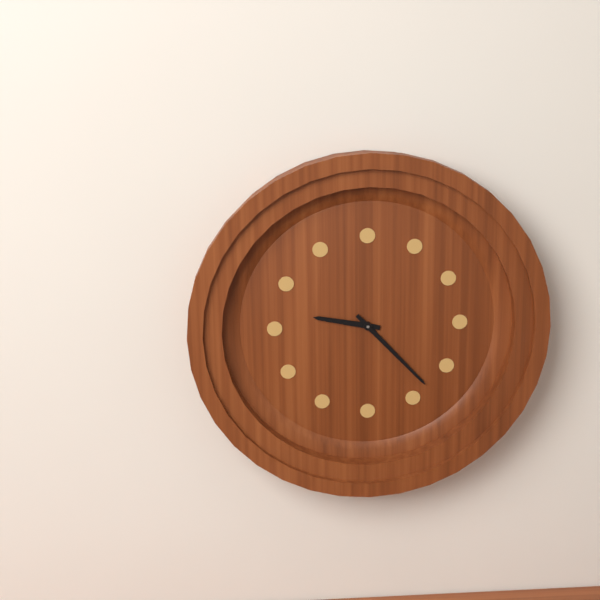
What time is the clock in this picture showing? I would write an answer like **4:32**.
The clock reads **9:23**
